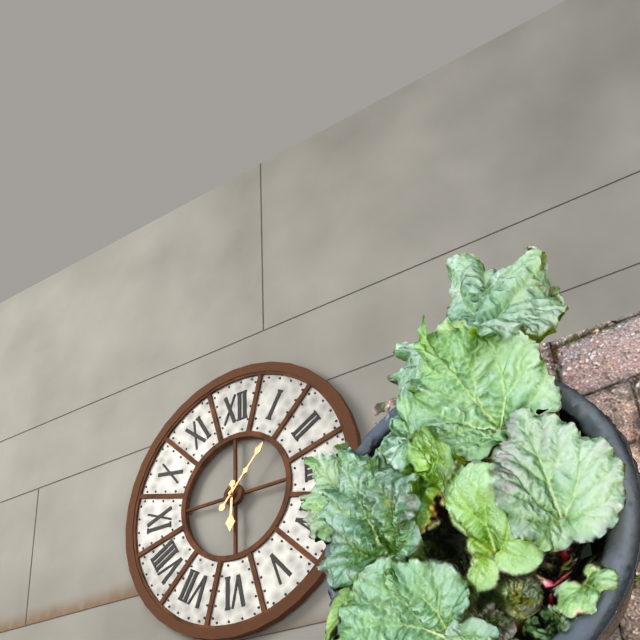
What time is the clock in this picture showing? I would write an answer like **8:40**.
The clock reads **6:07**
